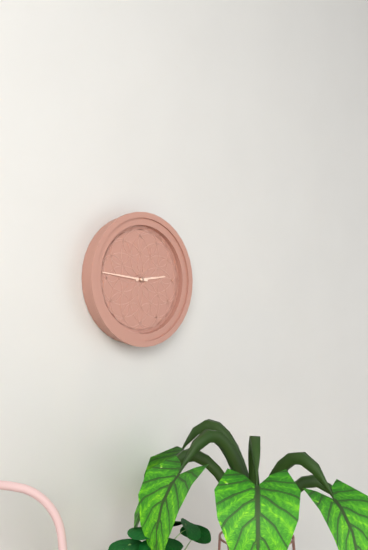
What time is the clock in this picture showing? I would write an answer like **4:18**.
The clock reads **2:46**
